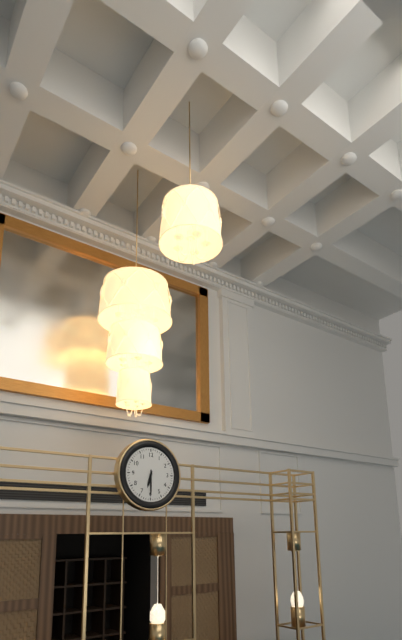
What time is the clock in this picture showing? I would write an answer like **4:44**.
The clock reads **6:30**
